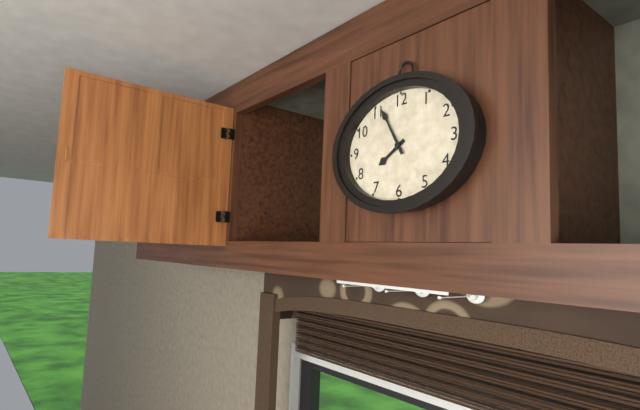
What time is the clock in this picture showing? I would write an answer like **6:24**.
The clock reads **7:55**
